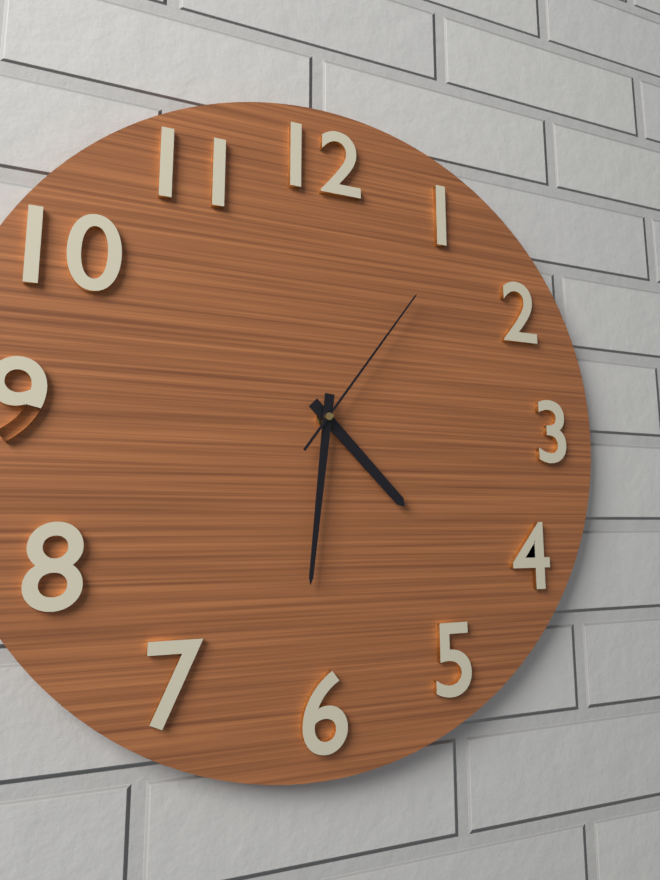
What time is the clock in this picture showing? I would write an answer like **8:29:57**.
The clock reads **4:31:06**
